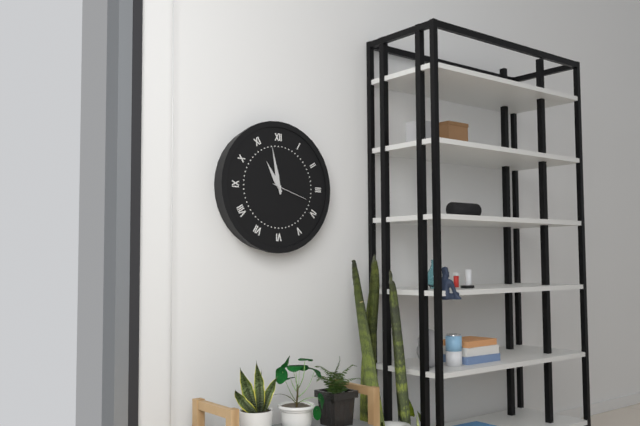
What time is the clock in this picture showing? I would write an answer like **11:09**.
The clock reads **10:58**
